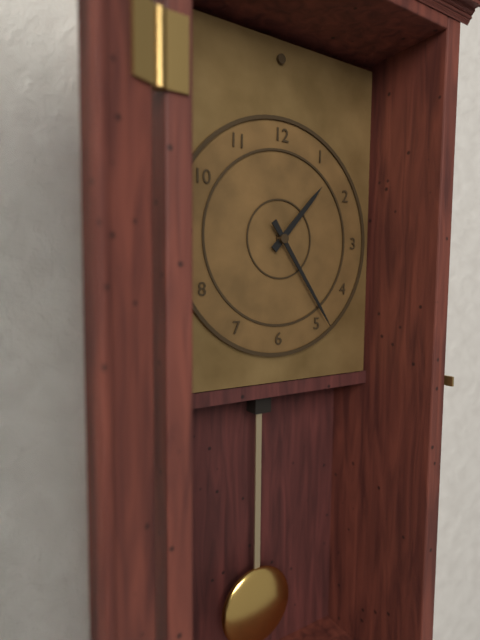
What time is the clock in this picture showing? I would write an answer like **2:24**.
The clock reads **1:24**
